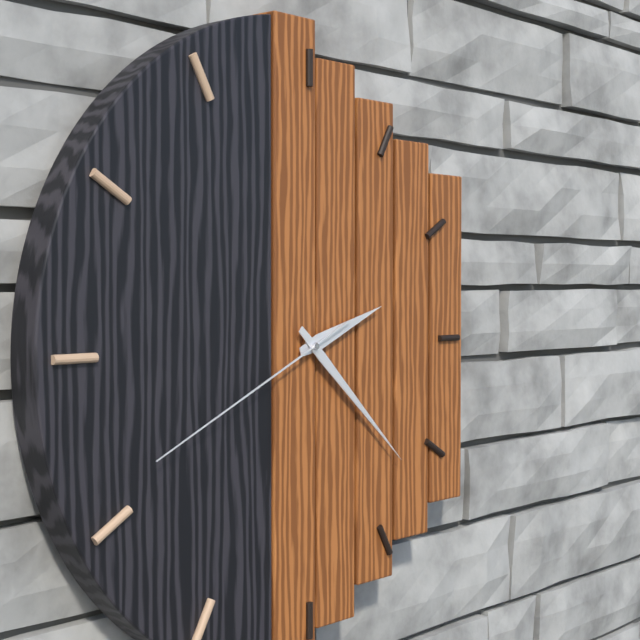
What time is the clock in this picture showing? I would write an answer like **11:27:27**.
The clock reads **2:22:41**
